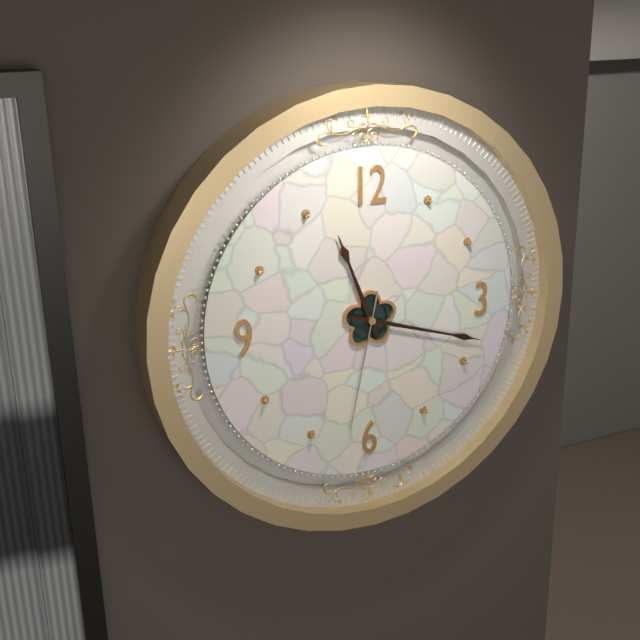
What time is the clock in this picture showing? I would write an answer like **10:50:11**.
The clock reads **11:18:32**
